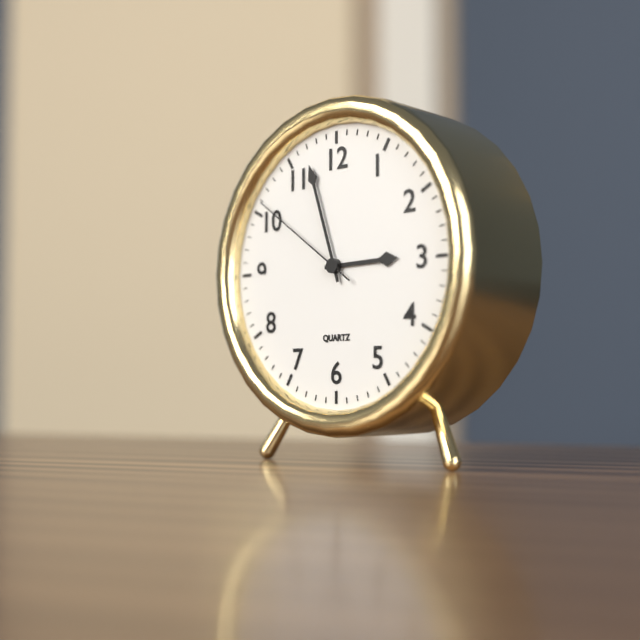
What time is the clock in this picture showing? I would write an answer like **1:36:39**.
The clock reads **2:57:51**
